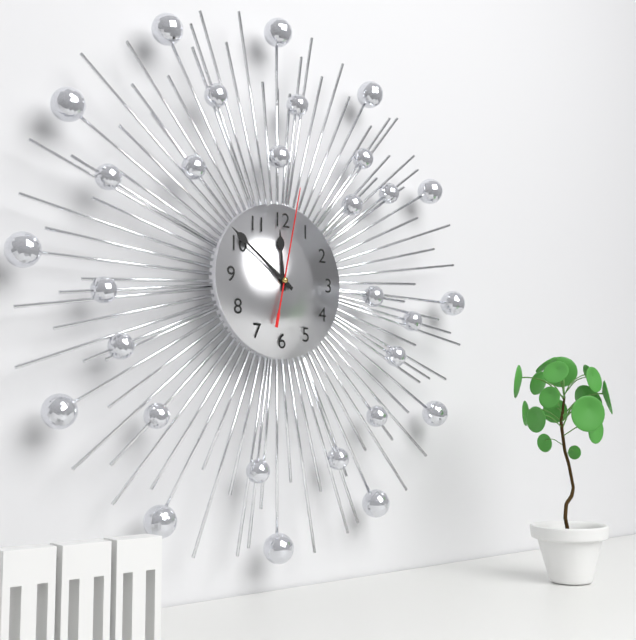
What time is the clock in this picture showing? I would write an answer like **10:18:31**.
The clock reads **11:51:02**
